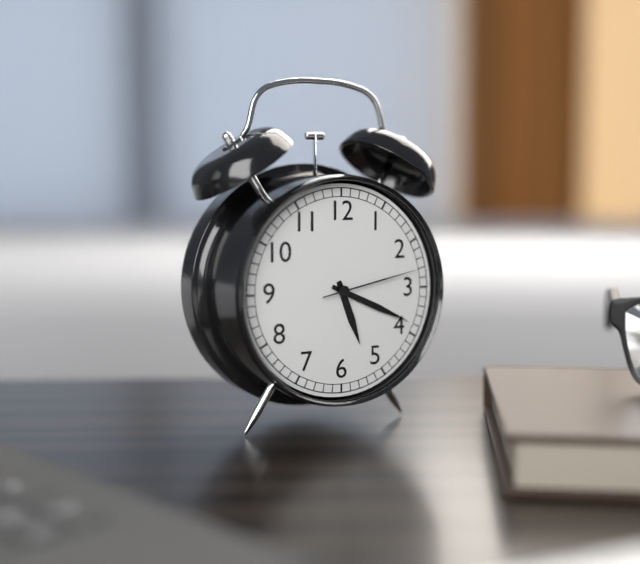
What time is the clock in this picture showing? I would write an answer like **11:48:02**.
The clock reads **5:19:13**
